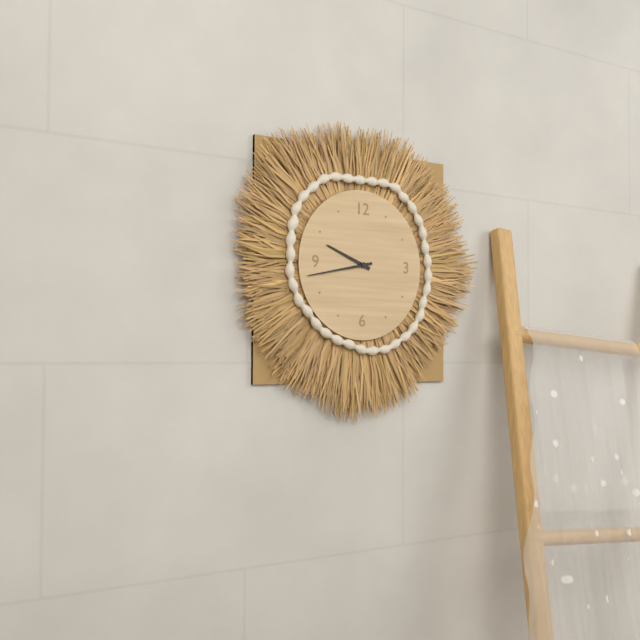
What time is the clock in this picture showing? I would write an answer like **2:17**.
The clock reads **9:43**
